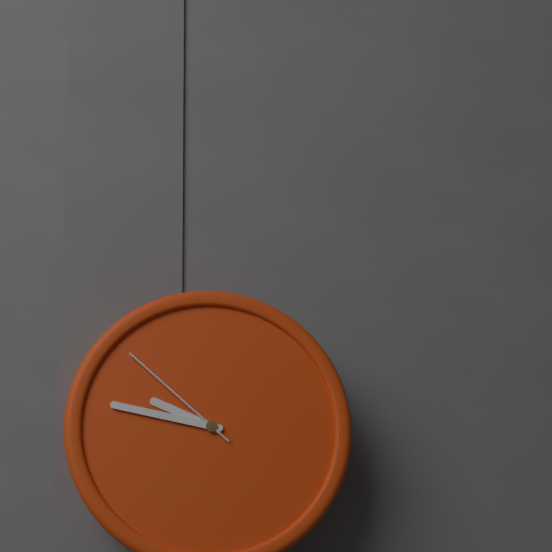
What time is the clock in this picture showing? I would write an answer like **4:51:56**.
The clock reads **9:47:52**
